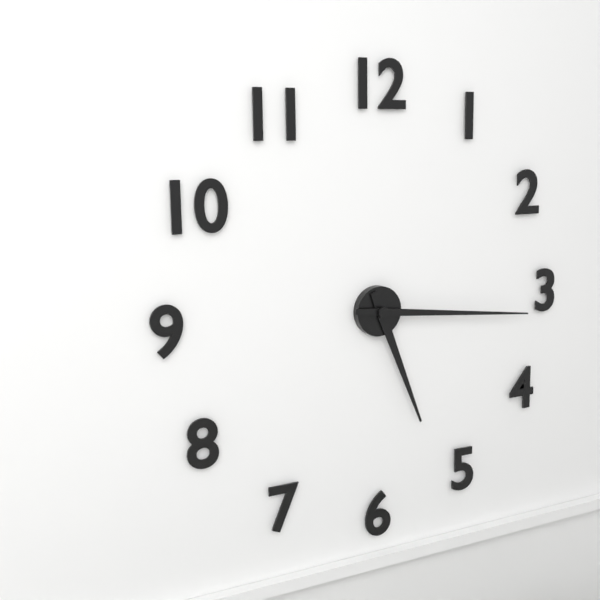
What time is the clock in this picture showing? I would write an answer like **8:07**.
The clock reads **5:16**
